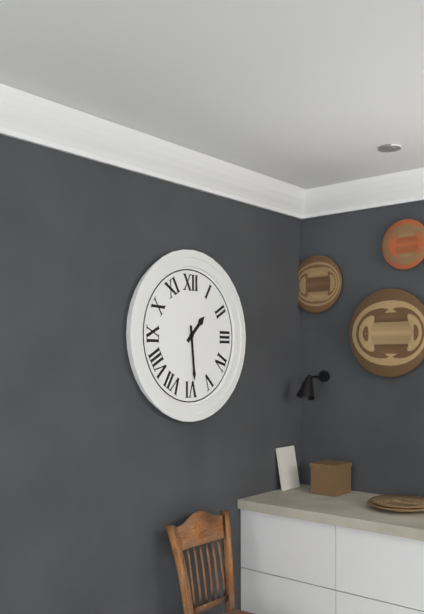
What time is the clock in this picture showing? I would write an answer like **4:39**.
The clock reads **1:29**
